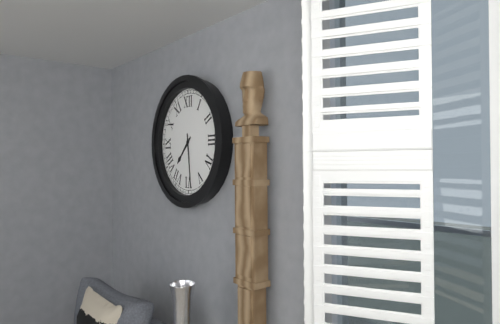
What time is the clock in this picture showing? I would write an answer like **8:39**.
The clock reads **7:29**
